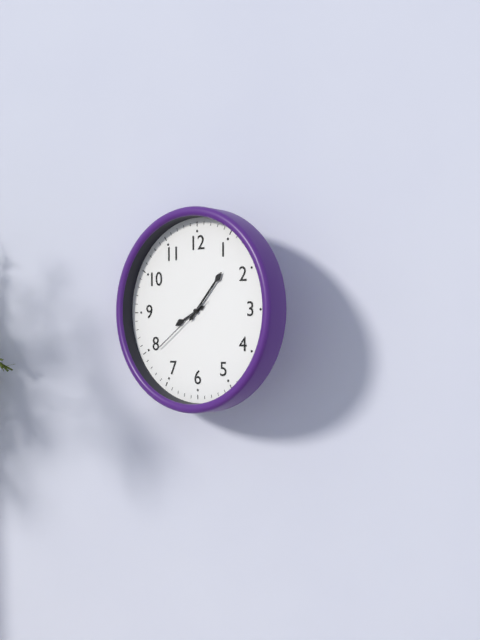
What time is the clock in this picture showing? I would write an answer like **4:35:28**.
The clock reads **8:07:39**
